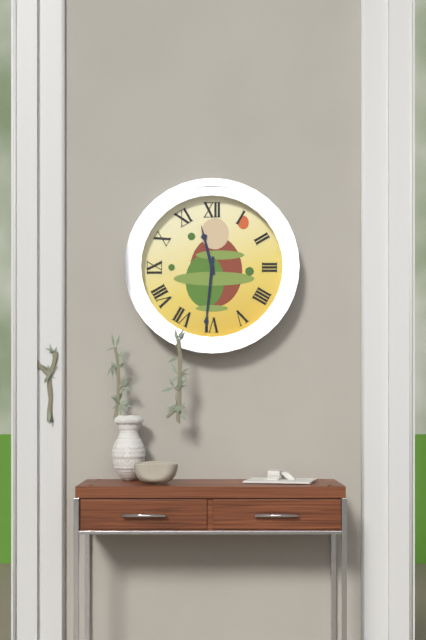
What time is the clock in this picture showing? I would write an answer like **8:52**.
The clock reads **11:31**
